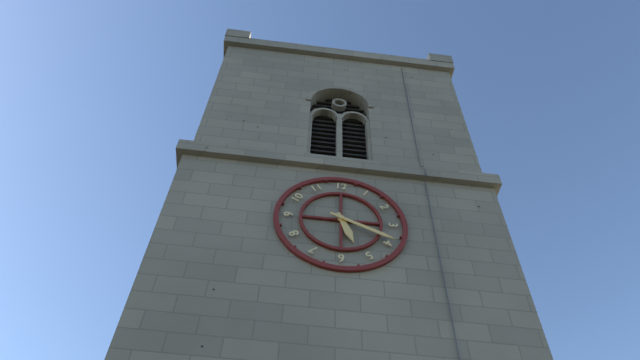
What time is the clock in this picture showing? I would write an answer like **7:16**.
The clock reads **5:19**
